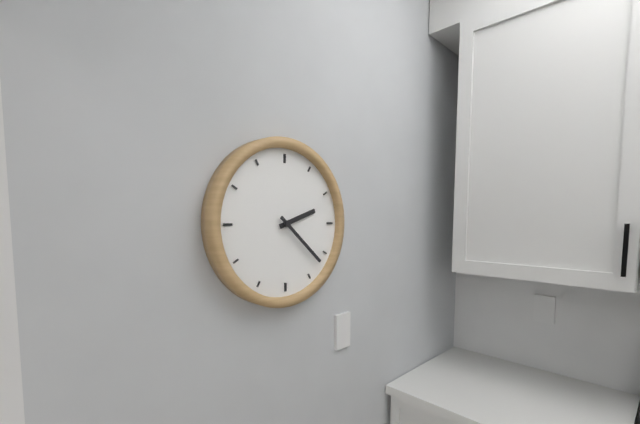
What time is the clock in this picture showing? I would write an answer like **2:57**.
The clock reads **2:22**
